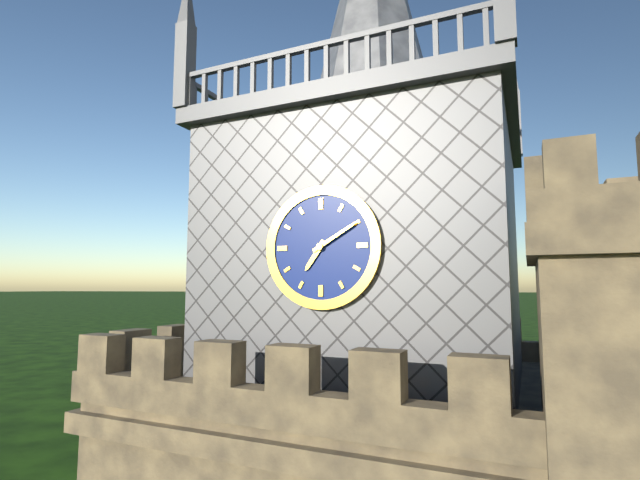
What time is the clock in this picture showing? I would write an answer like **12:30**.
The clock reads **7:10**
